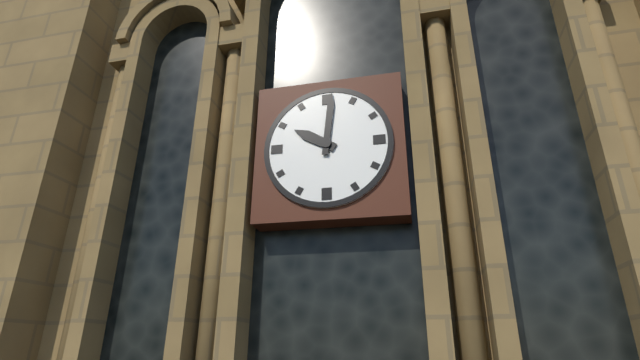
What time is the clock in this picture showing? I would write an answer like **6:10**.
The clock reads **10:01**
